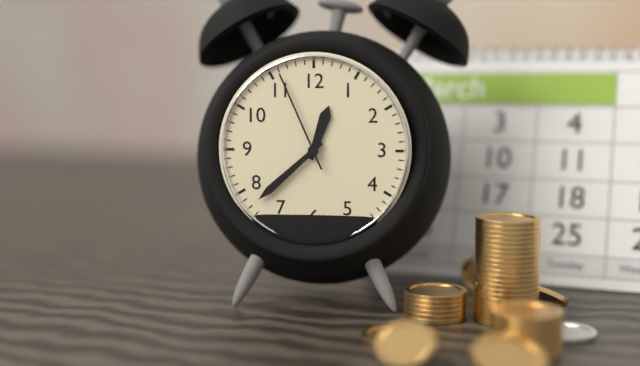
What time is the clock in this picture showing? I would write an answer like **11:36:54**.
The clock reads **12:38:56**
